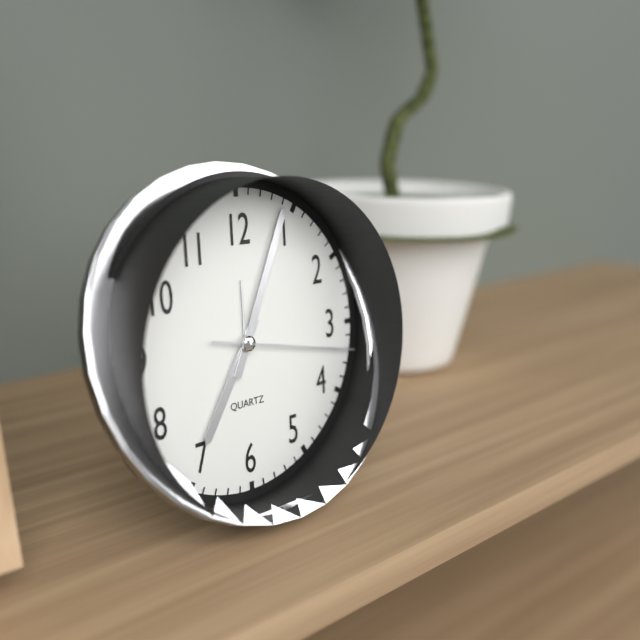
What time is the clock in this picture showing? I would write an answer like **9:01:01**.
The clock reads **7:04:17**
